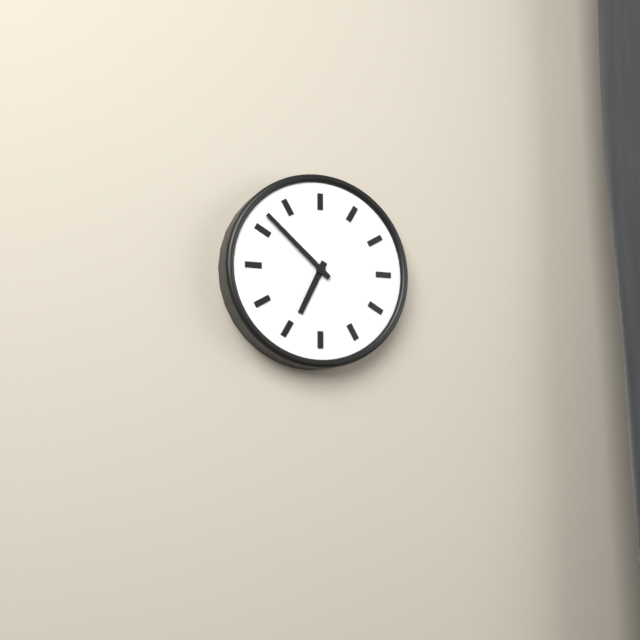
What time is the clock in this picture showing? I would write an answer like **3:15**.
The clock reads **6:52**
